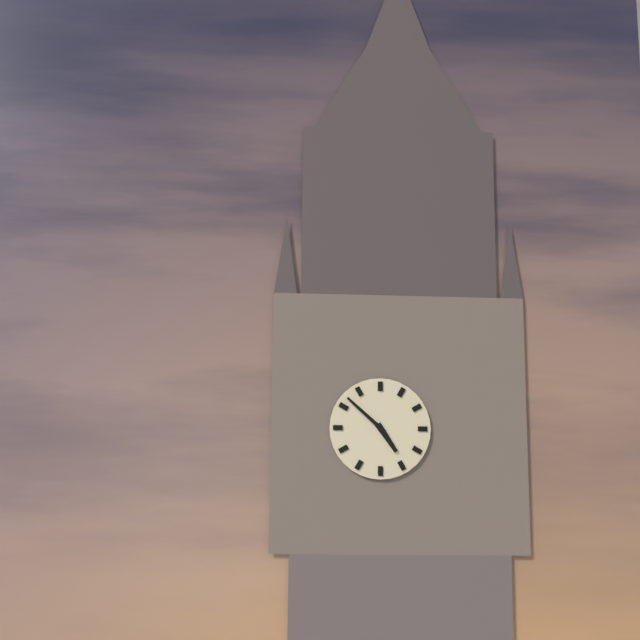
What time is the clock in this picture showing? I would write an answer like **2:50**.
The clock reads **4:52**
